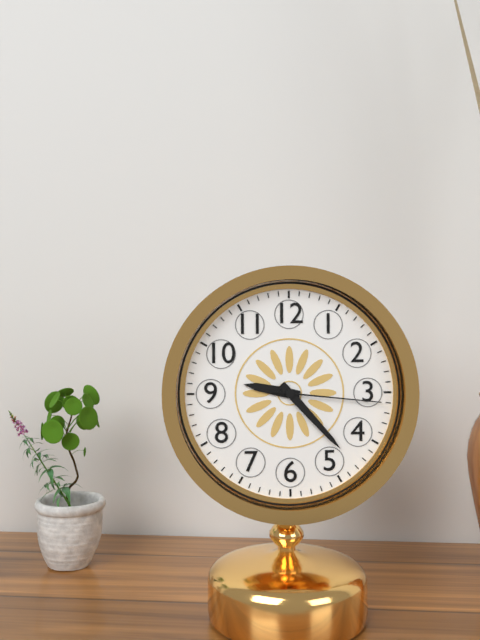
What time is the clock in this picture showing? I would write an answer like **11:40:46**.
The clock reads **9:23:16**
